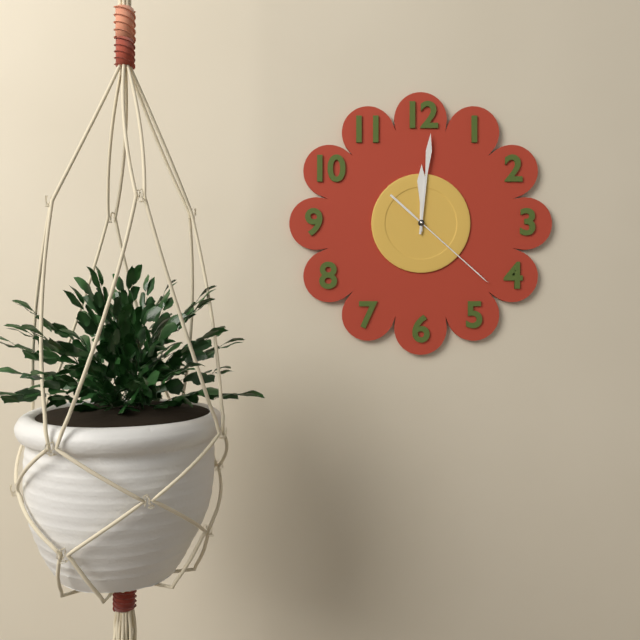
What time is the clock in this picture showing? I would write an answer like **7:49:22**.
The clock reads **12:01:22**
